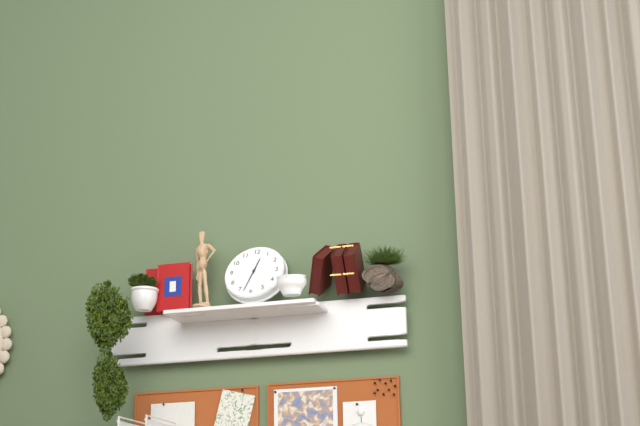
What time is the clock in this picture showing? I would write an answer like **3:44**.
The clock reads **12:33**
